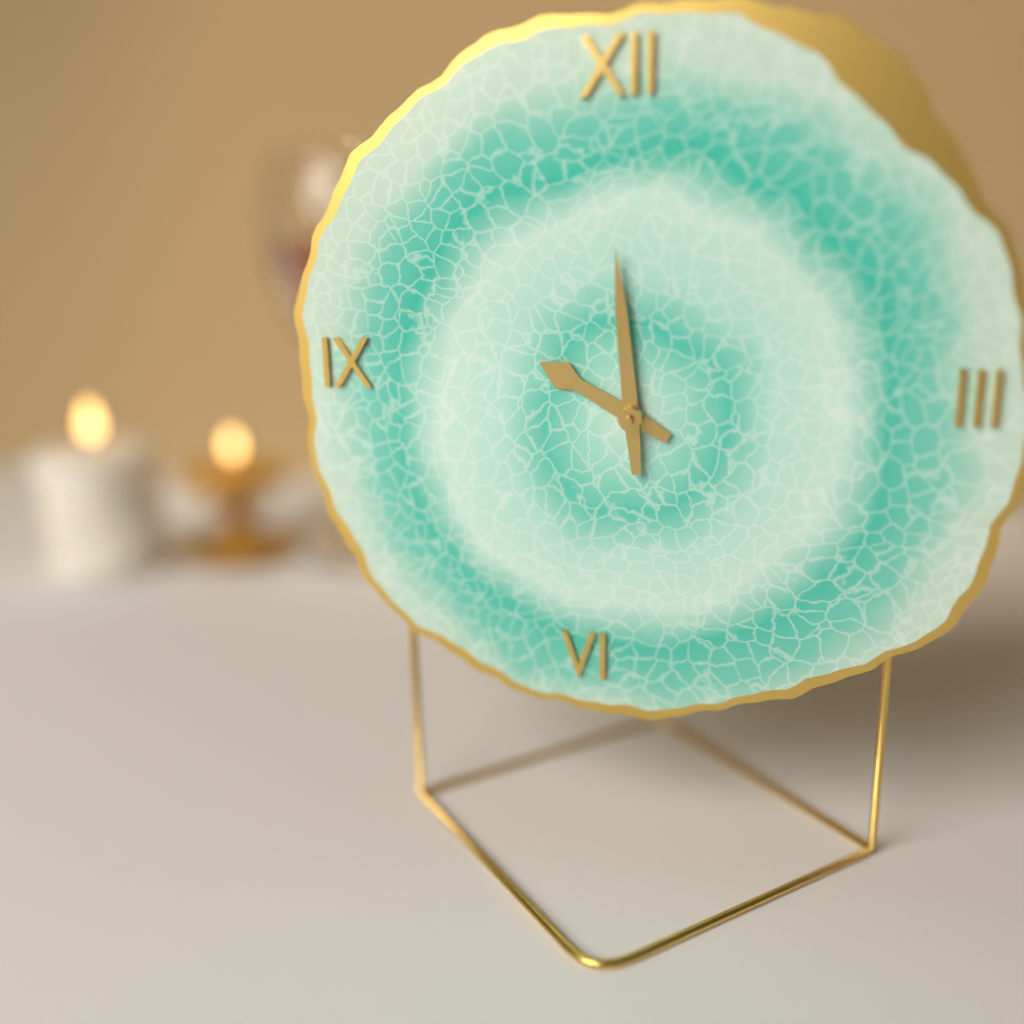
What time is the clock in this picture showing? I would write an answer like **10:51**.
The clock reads **9:59**
